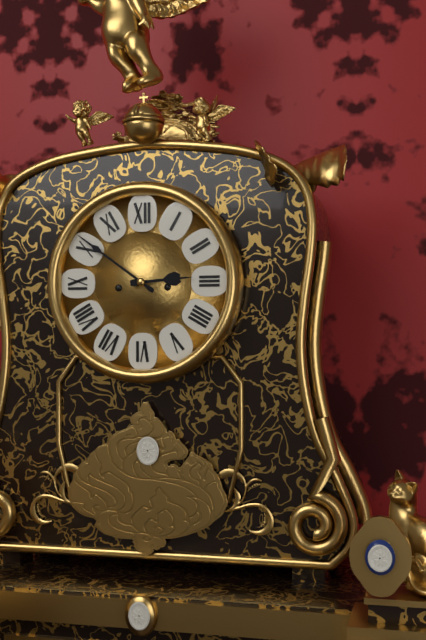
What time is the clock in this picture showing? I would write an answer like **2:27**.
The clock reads **2:51**
